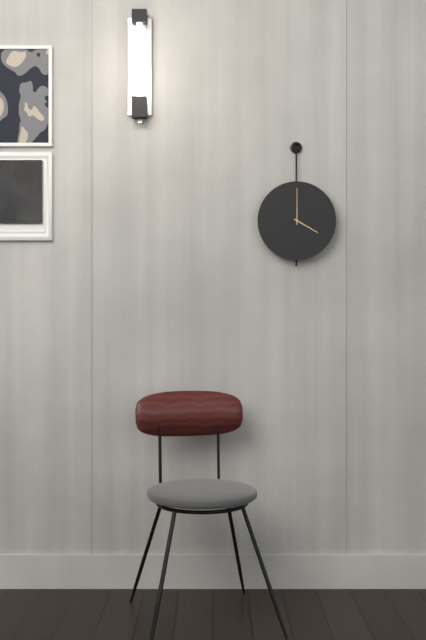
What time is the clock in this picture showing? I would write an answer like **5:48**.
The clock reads **4:00**
